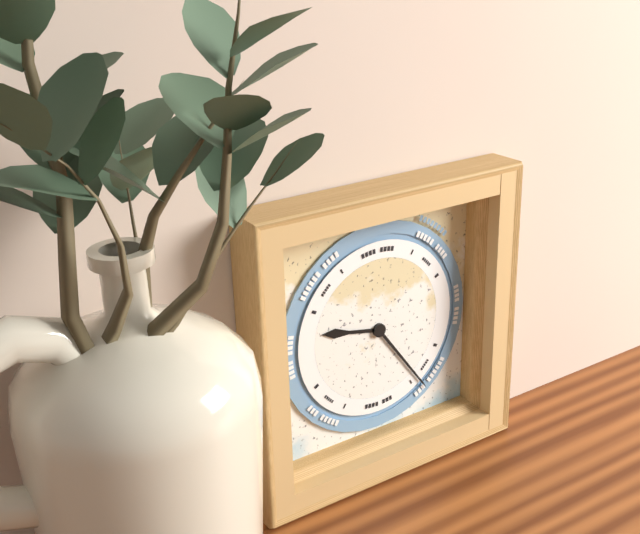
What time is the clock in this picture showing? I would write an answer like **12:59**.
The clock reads **9:24**
